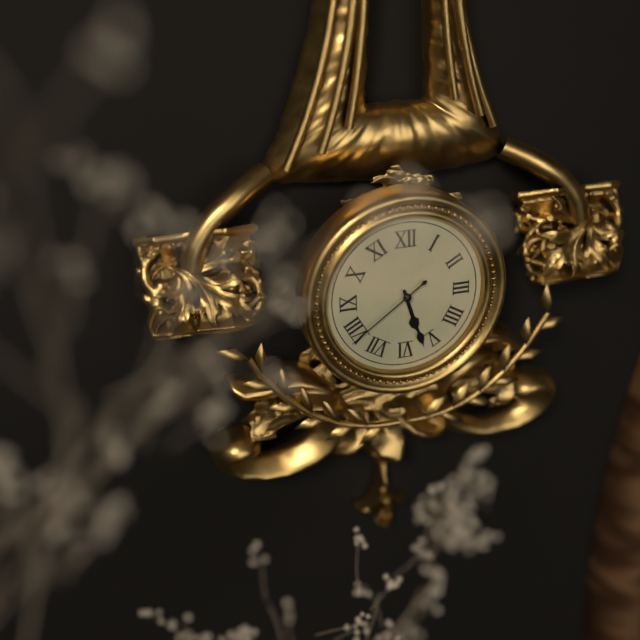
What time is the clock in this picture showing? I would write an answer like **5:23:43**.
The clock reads **5:27:39**
